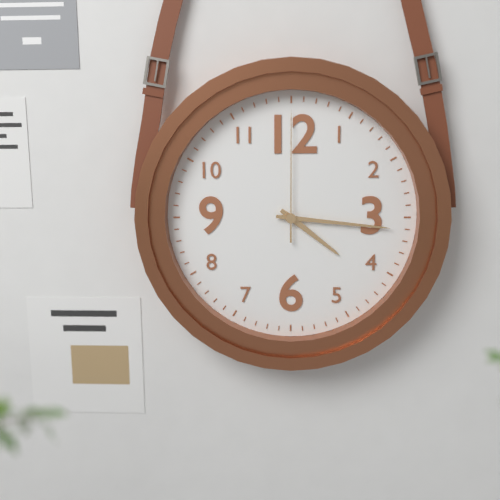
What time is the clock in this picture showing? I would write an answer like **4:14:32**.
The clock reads **4:16:00**
